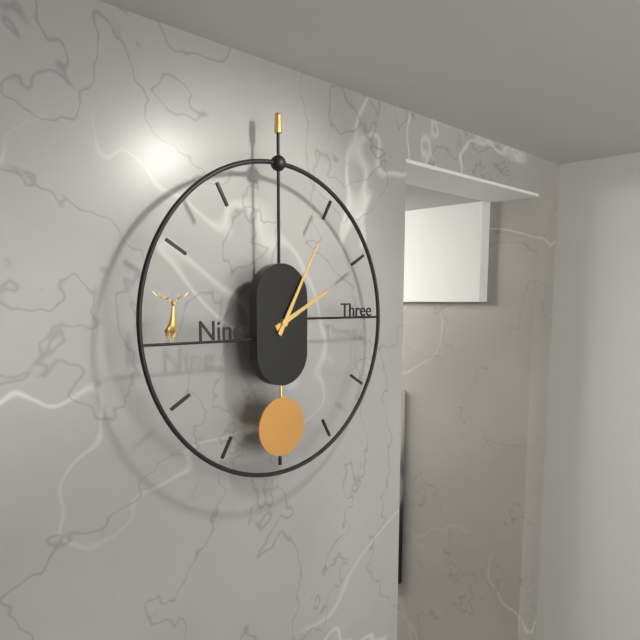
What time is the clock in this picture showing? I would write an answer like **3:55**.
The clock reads **2:05**
